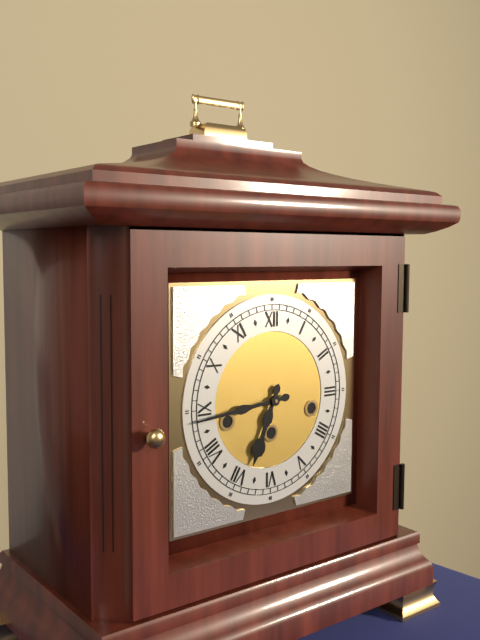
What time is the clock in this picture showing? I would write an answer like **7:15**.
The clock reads **6:44**
